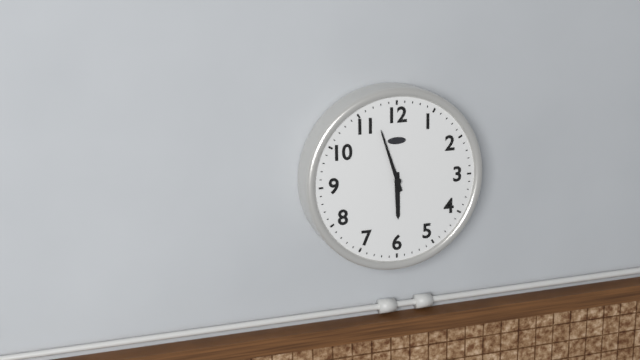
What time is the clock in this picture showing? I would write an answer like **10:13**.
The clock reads **5:57**
